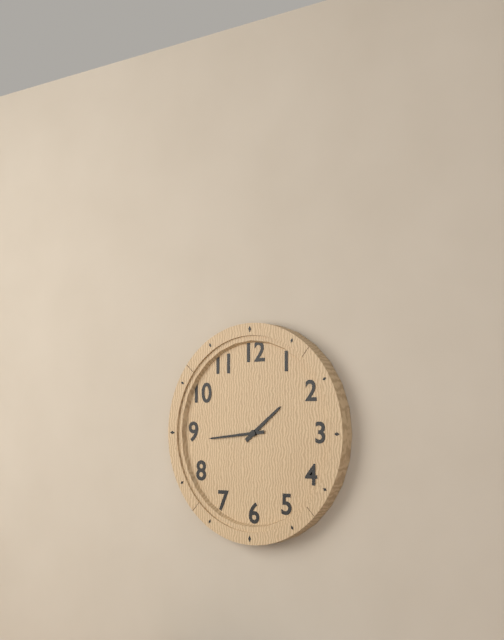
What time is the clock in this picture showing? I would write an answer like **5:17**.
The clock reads **1:44**
